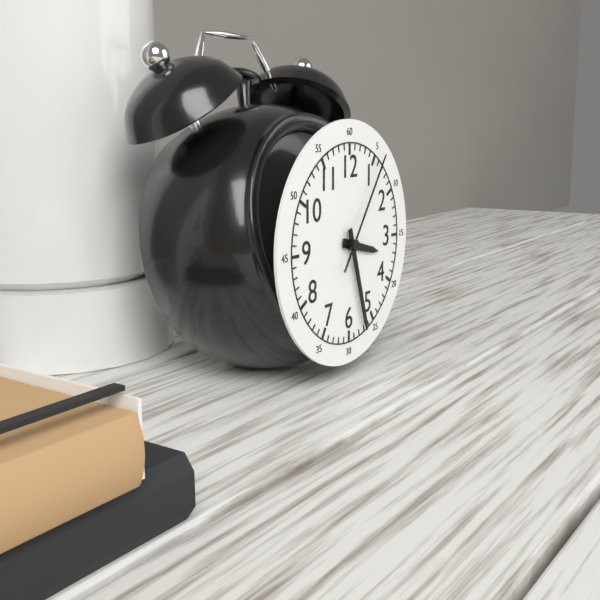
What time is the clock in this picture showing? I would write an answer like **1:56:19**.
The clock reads **3:27:06**
